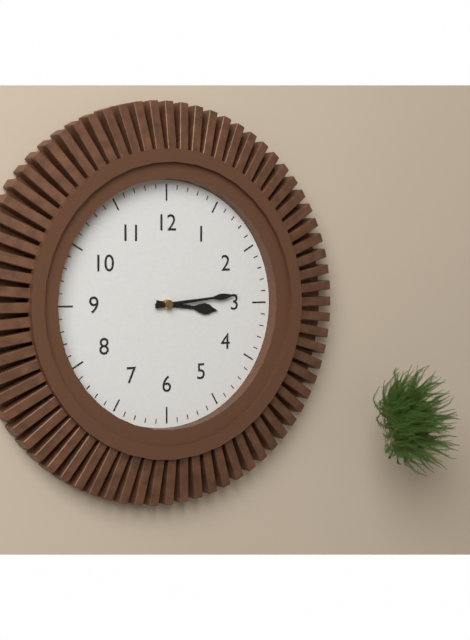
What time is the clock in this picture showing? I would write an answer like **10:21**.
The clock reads **3:14**
